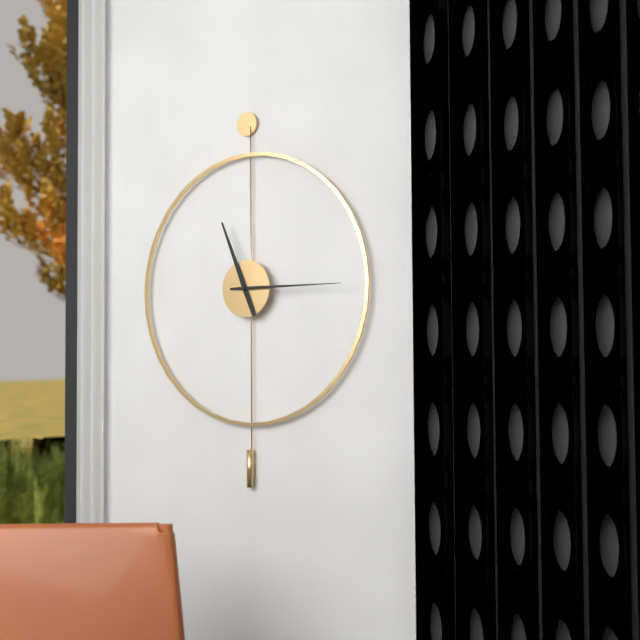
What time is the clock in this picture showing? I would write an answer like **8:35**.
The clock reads **11:15**
